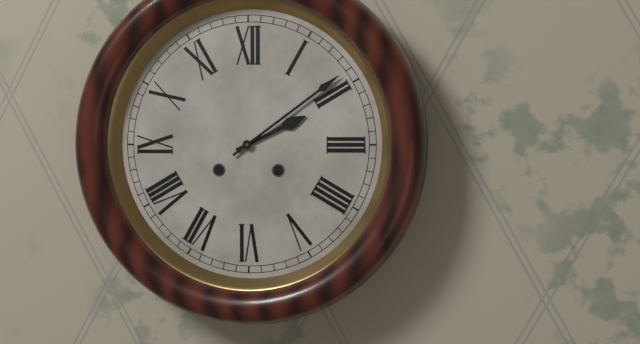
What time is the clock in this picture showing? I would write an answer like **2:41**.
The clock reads **2:09**
